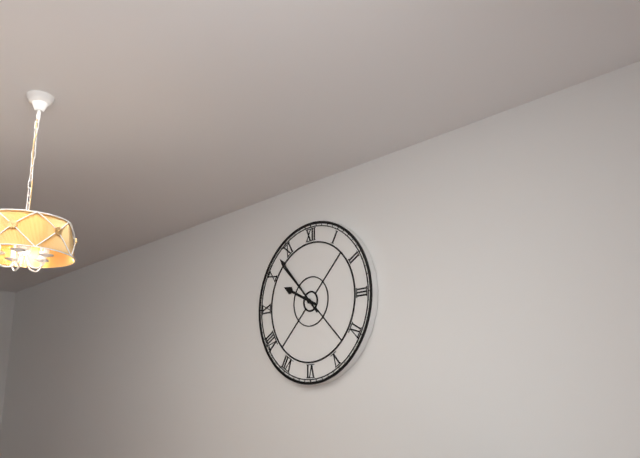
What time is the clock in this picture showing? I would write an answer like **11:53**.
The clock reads **9:53**
